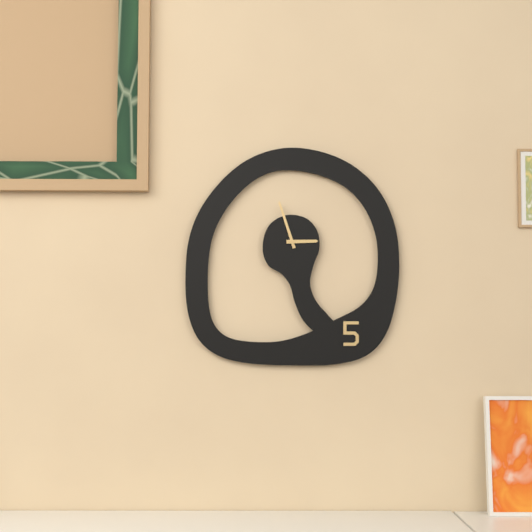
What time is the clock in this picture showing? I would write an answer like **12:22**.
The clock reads **2:57**
